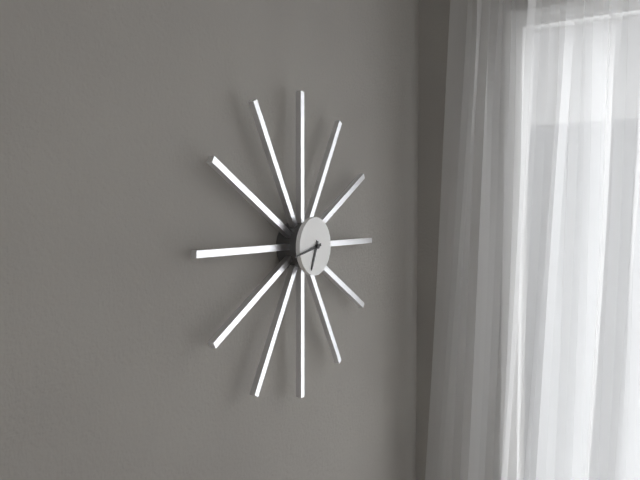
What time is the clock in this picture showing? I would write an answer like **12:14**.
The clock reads **6:43**
